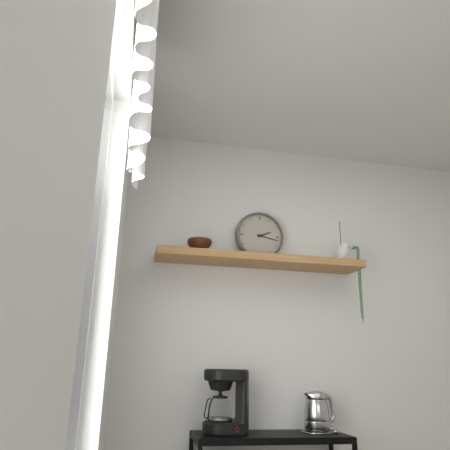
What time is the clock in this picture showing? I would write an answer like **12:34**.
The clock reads **2:17**
